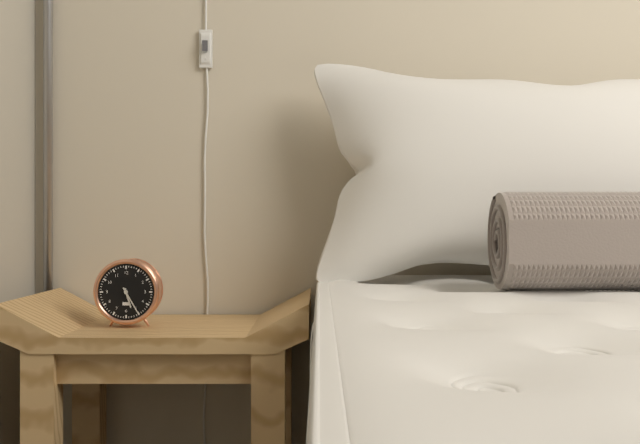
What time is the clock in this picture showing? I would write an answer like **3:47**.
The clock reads **5:25**
